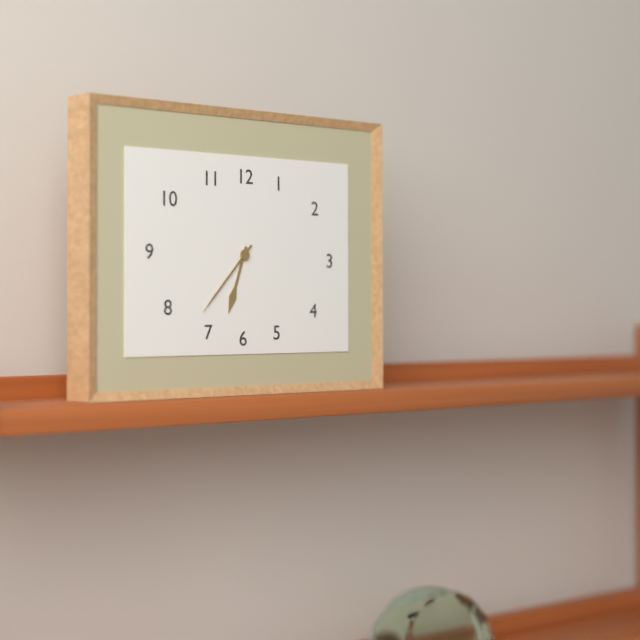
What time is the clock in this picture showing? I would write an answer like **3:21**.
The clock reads **6:37**
